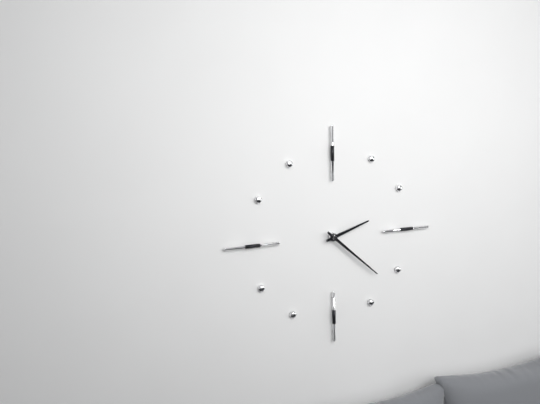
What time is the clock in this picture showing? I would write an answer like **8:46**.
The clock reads **2:22**
